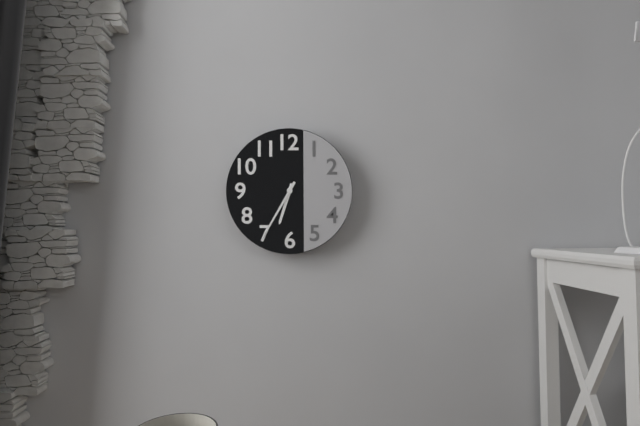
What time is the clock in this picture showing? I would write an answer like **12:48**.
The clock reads **6:35**
